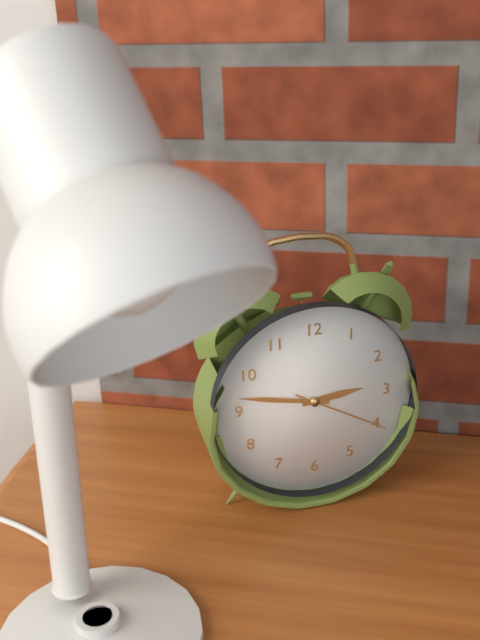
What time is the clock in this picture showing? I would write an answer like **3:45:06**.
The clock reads **2:47:20**
